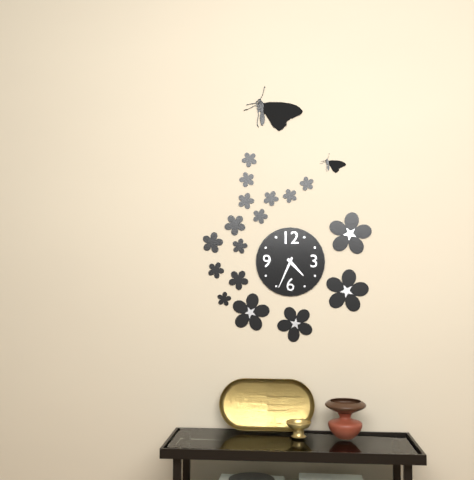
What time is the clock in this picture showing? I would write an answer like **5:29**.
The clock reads **4:34**
